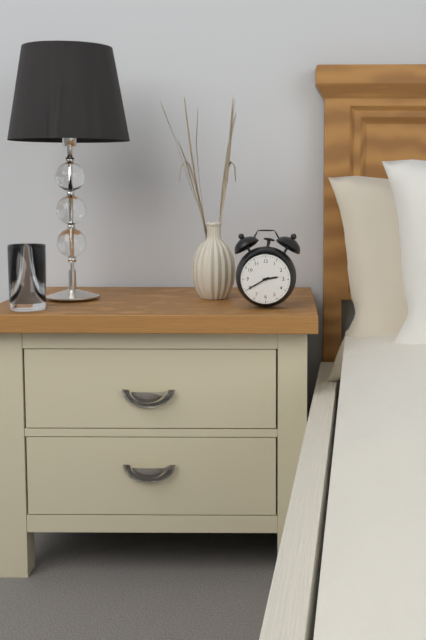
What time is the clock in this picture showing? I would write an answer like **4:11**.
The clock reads **2:40**
